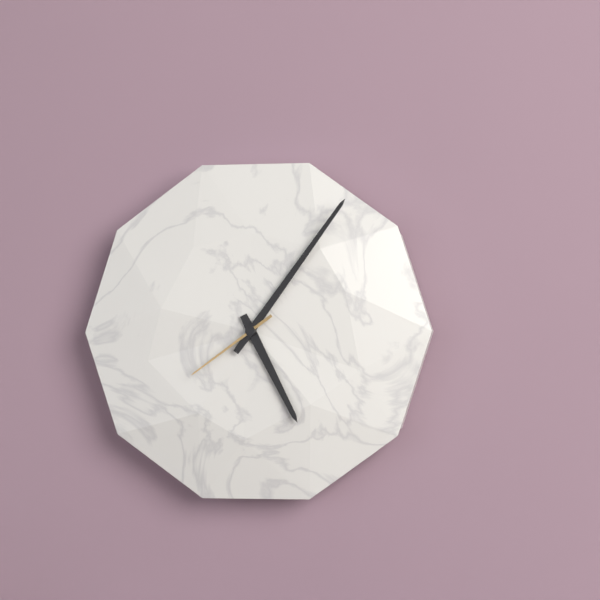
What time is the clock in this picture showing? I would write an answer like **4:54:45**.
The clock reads **5:06:39**
